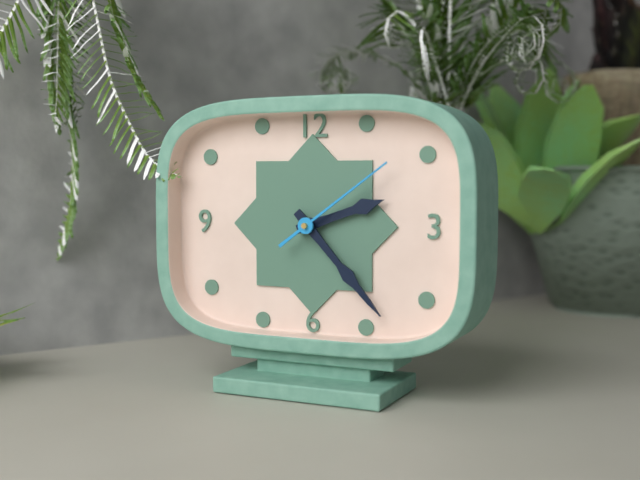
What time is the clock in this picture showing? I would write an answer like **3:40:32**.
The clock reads **2:23:09**
